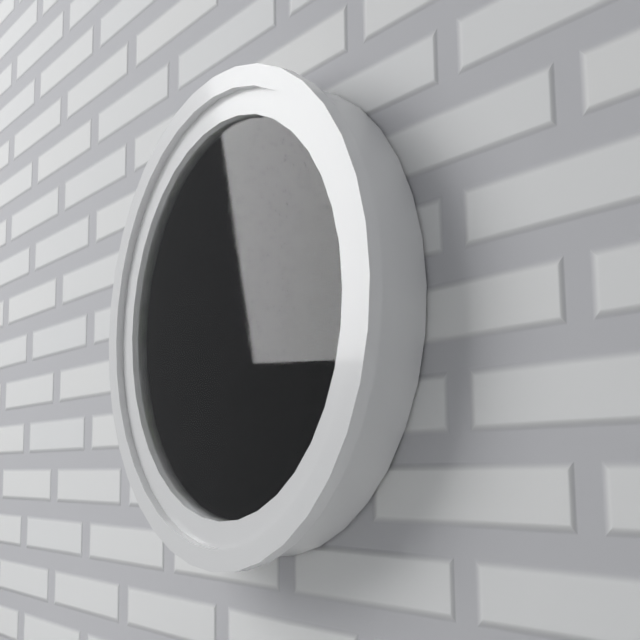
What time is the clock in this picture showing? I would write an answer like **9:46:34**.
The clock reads **10:44:06**
